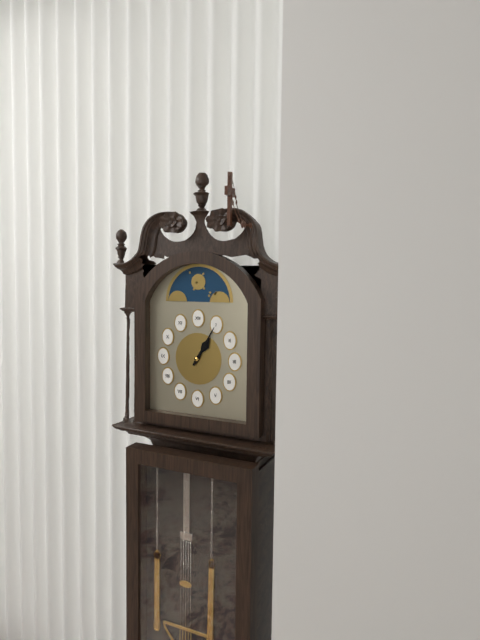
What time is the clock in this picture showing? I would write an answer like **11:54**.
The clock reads **1:05**
